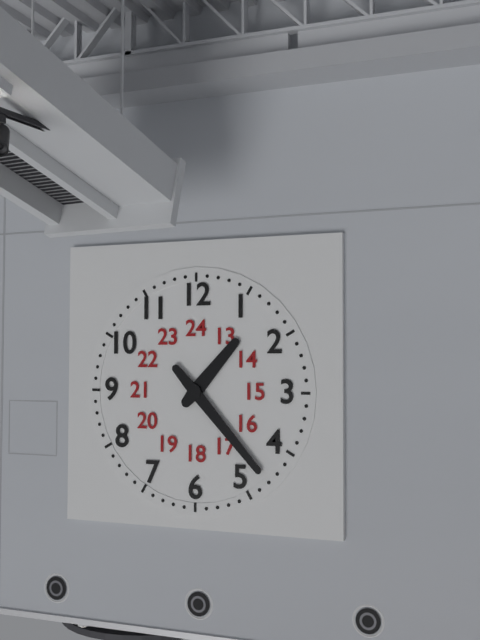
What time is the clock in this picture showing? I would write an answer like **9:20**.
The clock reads **1:23**
